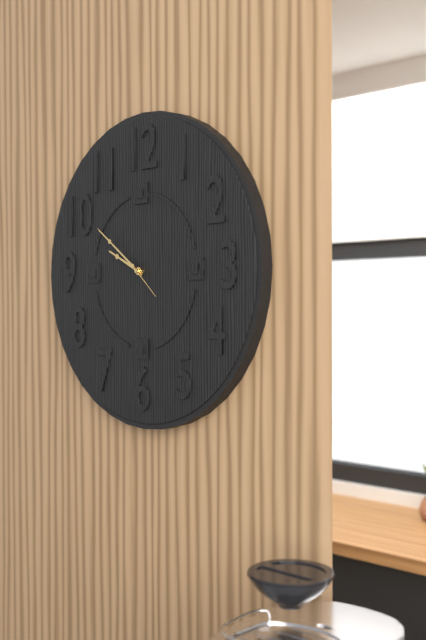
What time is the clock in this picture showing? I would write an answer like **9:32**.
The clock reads **9:51**
